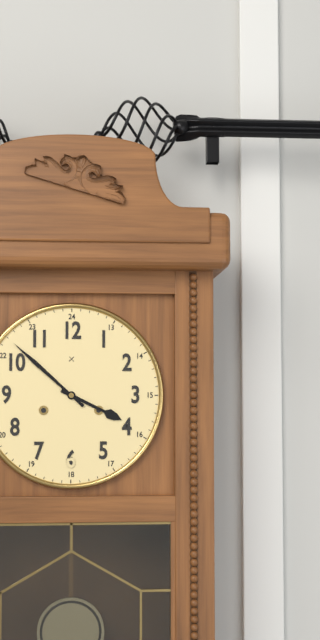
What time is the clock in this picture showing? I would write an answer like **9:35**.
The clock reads **3:52**
